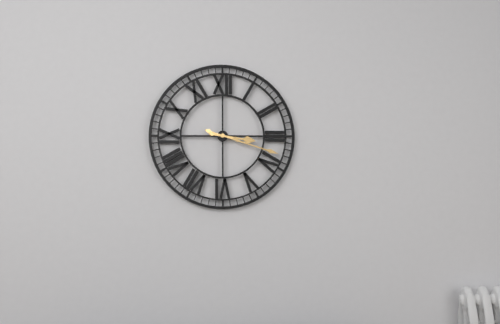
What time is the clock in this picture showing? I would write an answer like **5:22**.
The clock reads **3:18**
